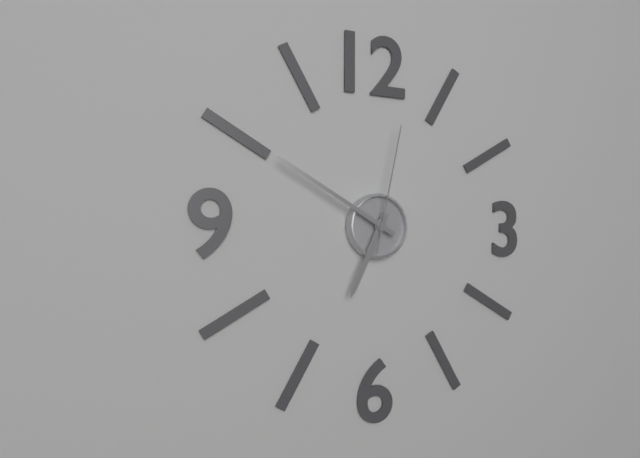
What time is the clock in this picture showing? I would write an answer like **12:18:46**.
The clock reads **6:50:02**
